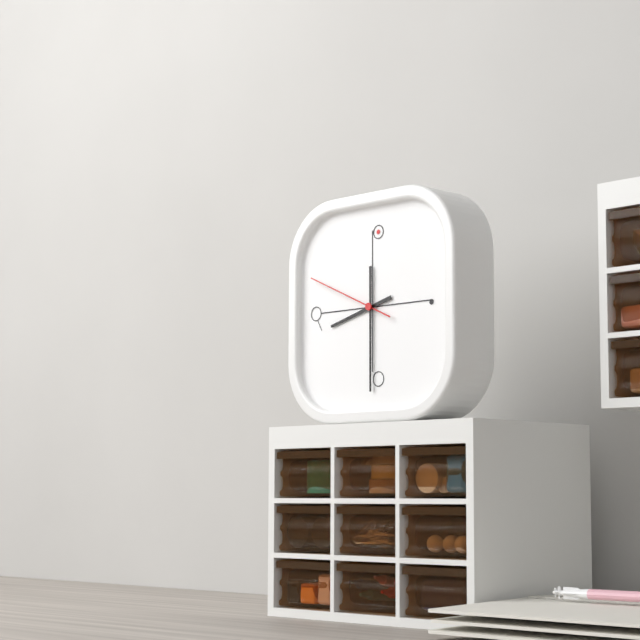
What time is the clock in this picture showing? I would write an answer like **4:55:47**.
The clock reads **8:30:49**
